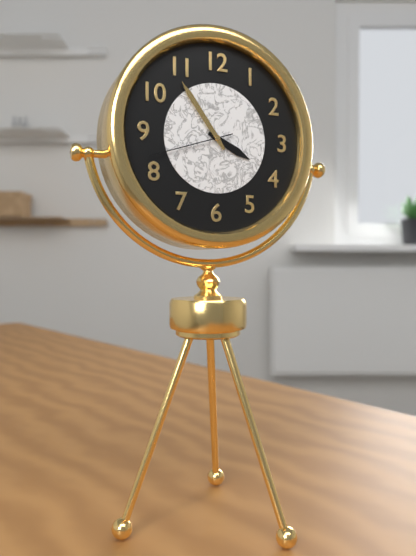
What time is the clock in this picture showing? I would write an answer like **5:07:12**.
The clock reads **3:54:42**
